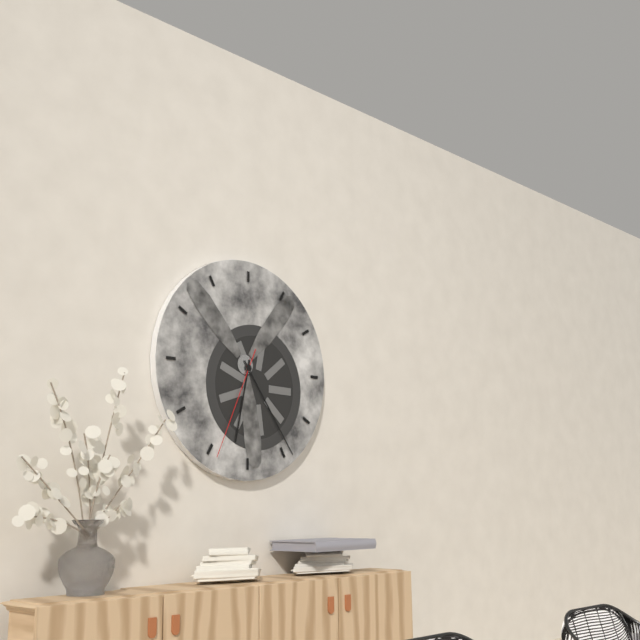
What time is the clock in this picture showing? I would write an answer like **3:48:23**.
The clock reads **6:24:34**
